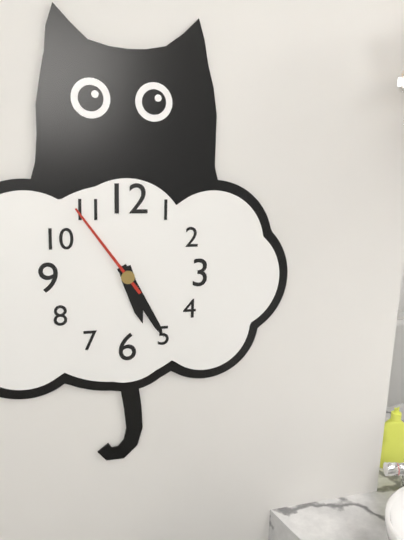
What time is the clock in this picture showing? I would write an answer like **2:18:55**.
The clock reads **5:25:54**
